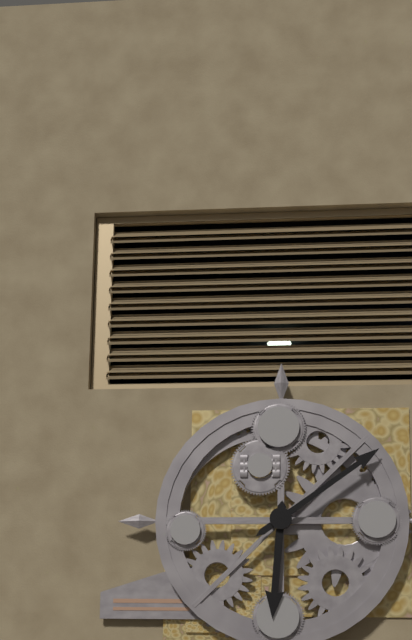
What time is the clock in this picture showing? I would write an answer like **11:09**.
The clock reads **6:09**
